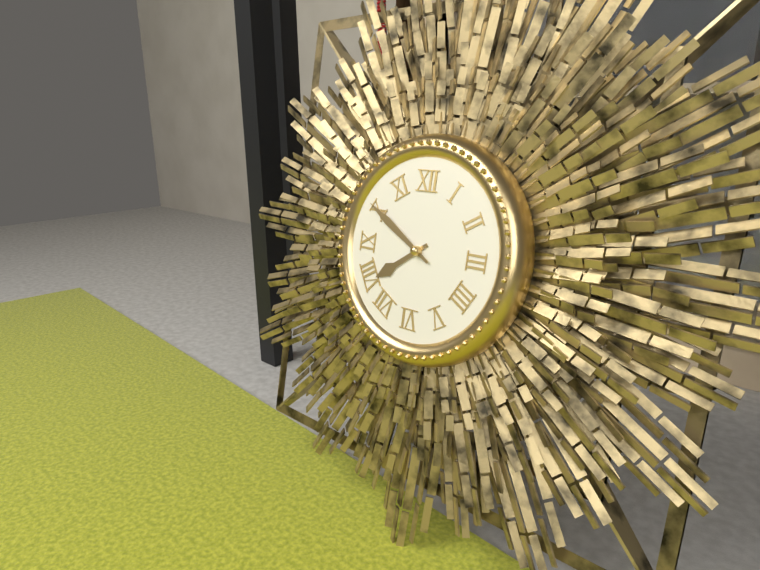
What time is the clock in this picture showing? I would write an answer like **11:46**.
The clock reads **7:50**
